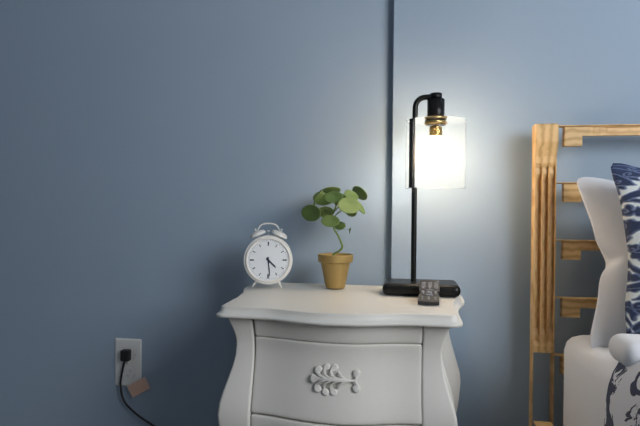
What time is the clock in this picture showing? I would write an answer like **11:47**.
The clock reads **4:29**
